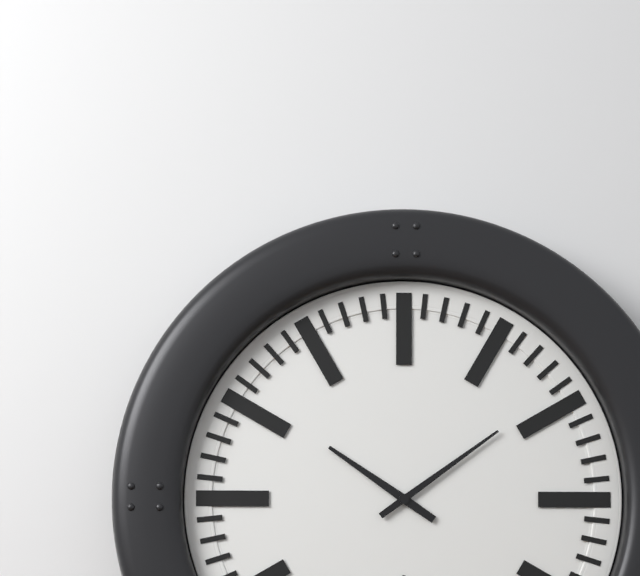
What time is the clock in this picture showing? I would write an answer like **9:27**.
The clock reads **10:09**
